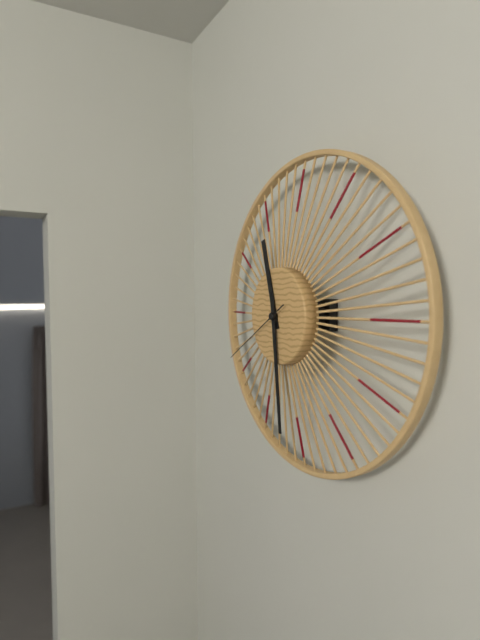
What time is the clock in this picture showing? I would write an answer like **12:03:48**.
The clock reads **11:29:40**
